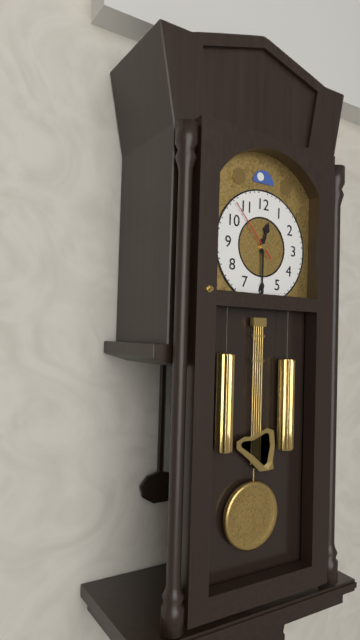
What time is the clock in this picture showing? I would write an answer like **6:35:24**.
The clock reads **12:30:53**
